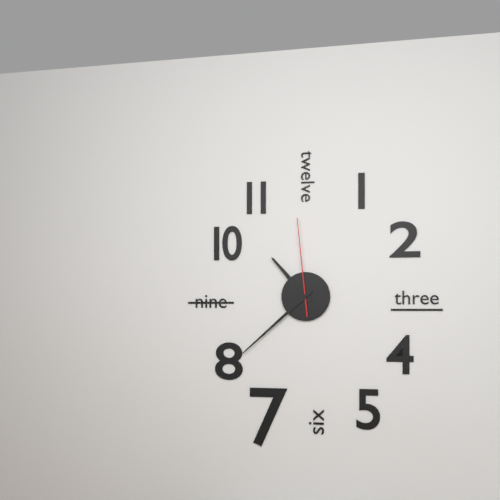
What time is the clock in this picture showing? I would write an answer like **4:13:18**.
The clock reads **10:38:59**
